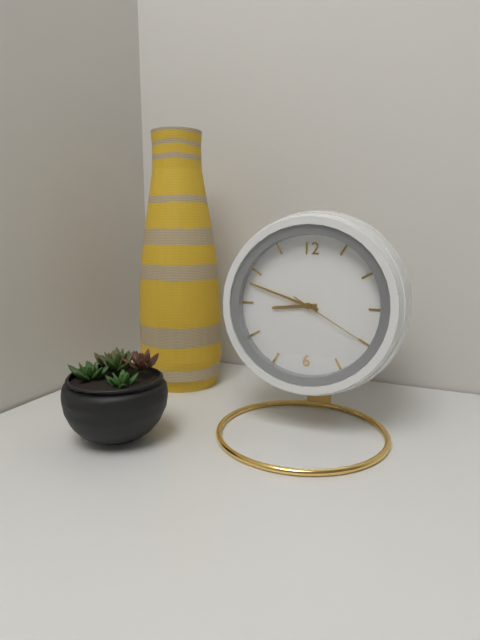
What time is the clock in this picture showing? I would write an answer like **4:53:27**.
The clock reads **8:48:20**
